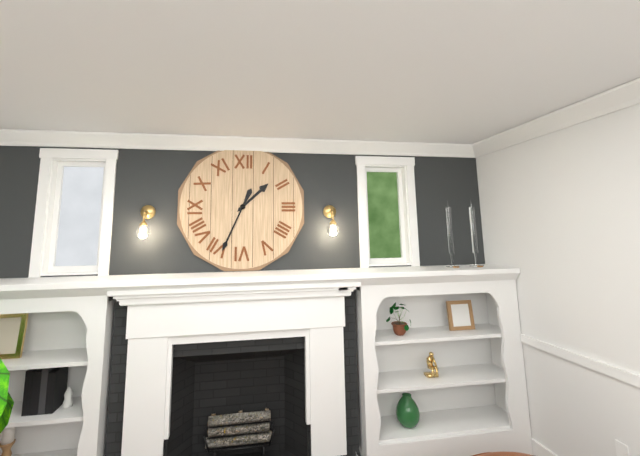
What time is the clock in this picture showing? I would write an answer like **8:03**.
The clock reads **1:34**
